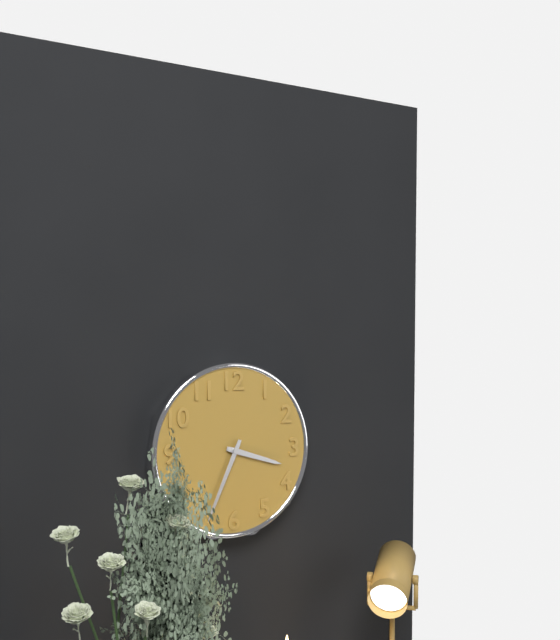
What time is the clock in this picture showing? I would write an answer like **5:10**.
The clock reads **3:34**
